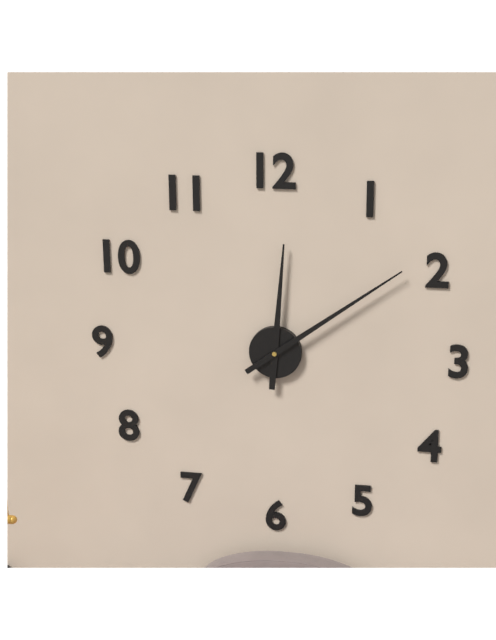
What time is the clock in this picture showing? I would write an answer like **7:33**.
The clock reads **12:09**
